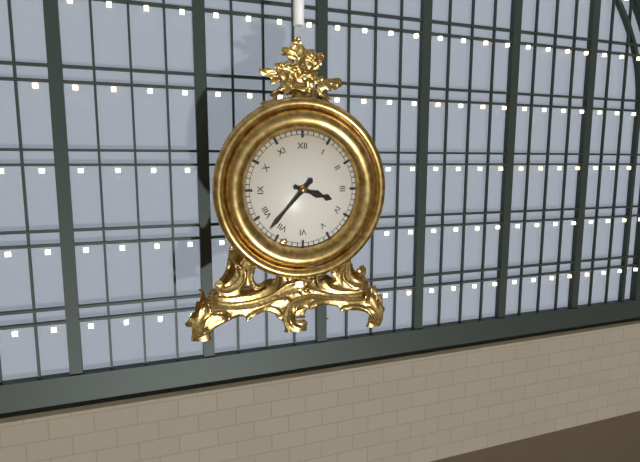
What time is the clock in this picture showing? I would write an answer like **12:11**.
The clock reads **3:37**
